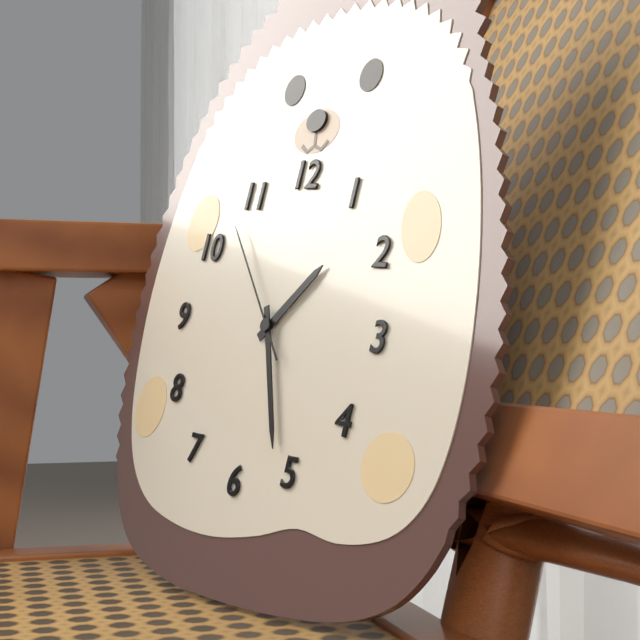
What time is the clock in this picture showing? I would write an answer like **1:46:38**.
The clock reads **1:26:53**
